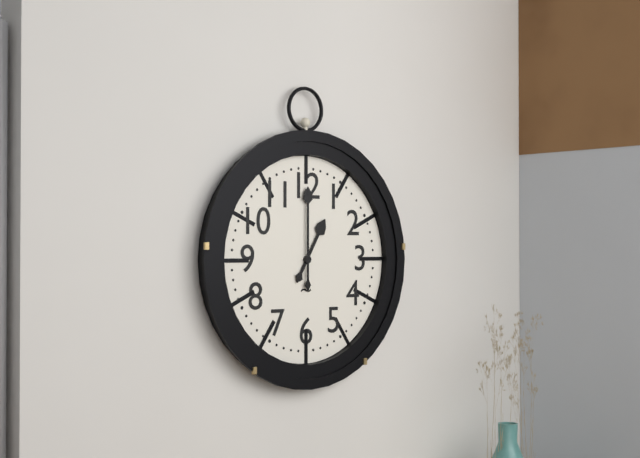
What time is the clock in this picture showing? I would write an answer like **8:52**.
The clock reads **1:00**
